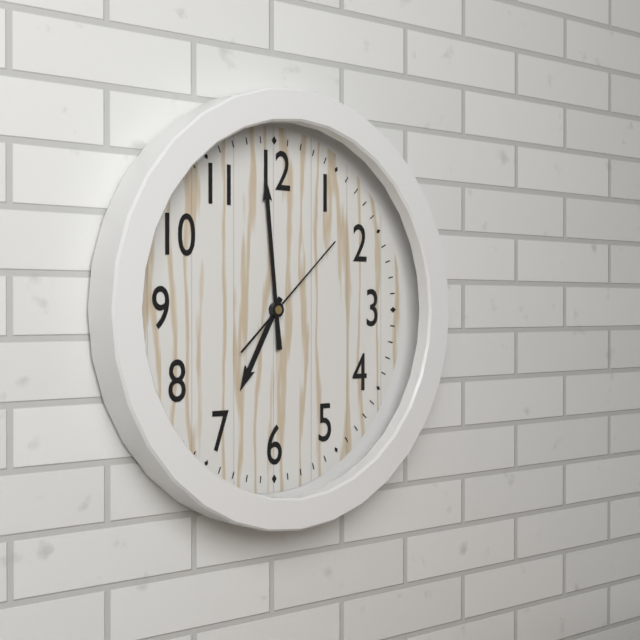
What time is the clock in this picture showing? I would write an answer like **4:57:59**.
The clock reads **6:59:08**
